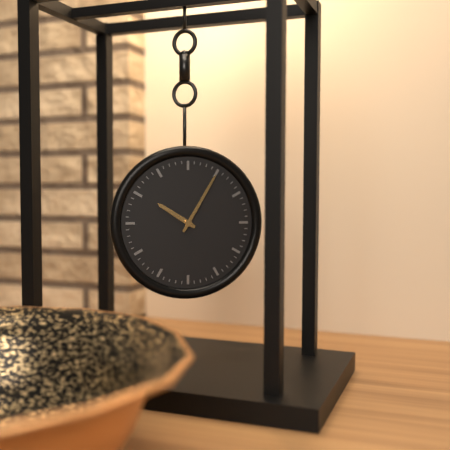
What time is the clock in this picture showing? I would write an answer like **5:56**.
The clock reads **10:05**
